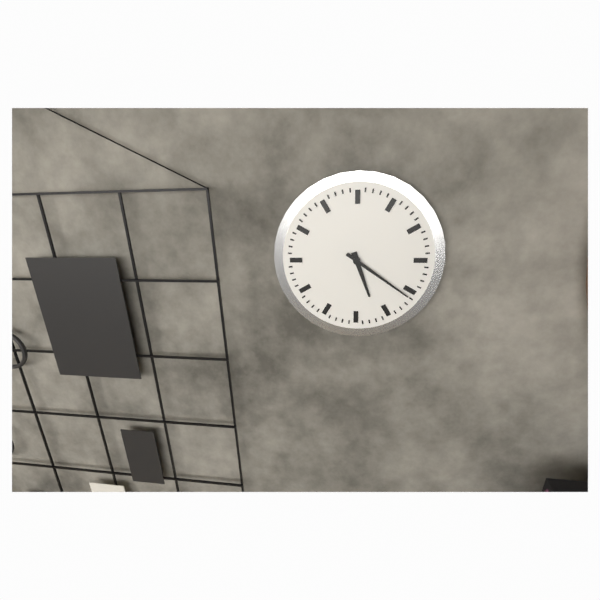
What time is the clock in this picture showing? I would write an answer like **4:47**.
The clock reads **5:21**
